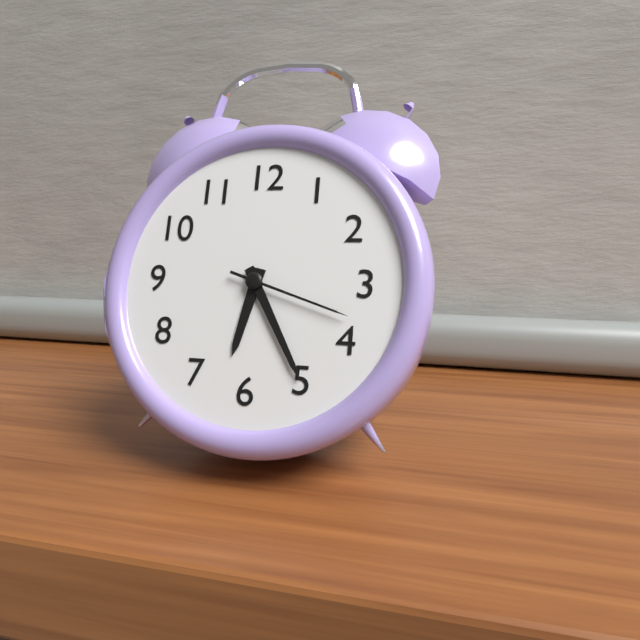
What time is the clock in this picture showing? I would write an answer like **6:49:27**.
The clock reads **6:25:18**
